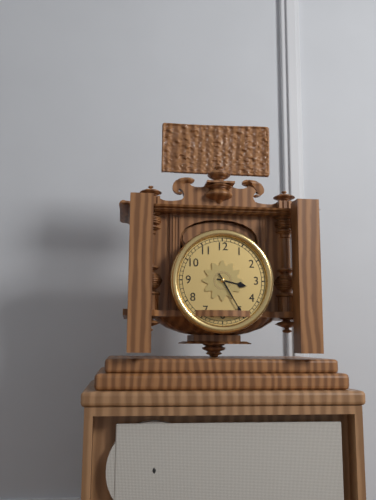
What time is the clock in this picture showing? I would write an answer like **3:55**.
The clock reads **3:25**
